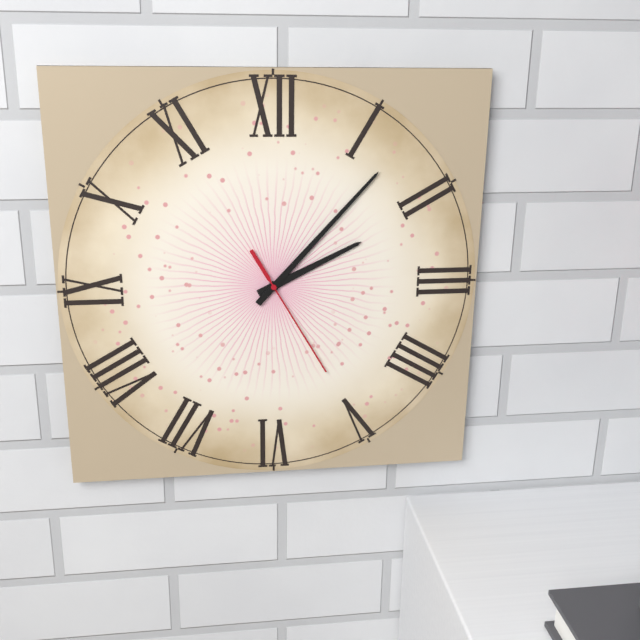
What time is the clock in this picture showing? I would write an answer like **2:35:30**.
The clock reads **2:07:25**
